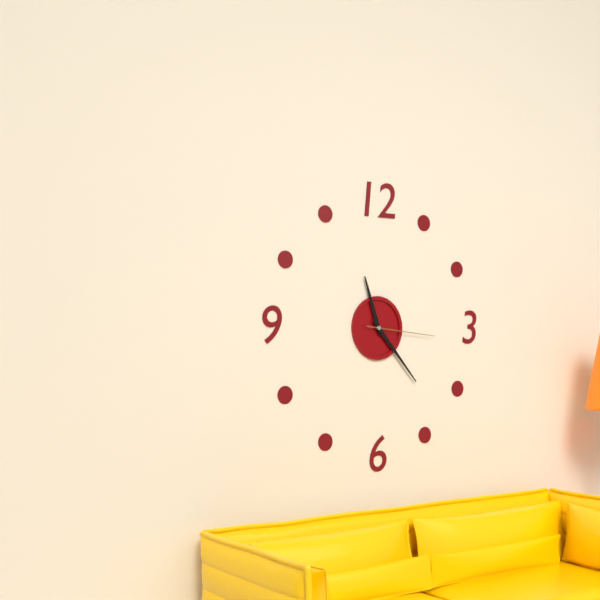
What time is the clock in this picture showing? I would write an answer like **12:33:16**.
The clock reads **11:23:16**
